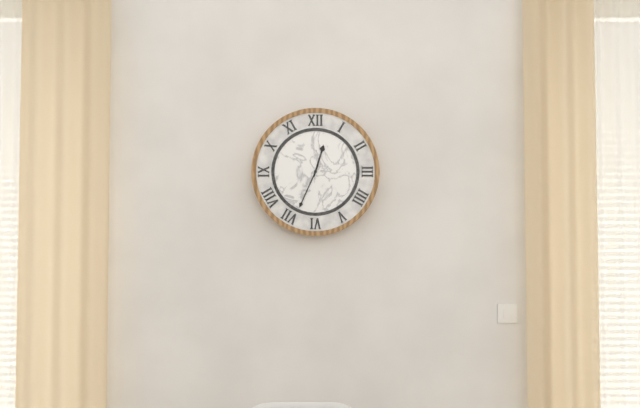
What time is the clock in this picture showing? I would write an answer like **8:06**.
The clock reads **12:34**
